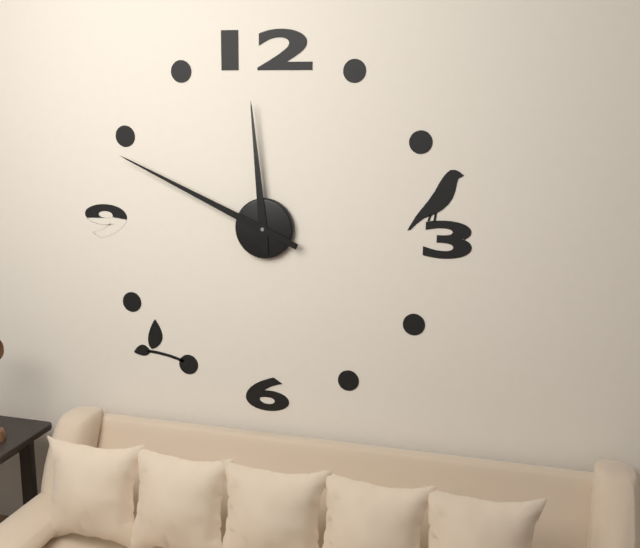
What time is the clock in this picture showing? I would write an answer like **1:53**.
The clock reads **11:49**
